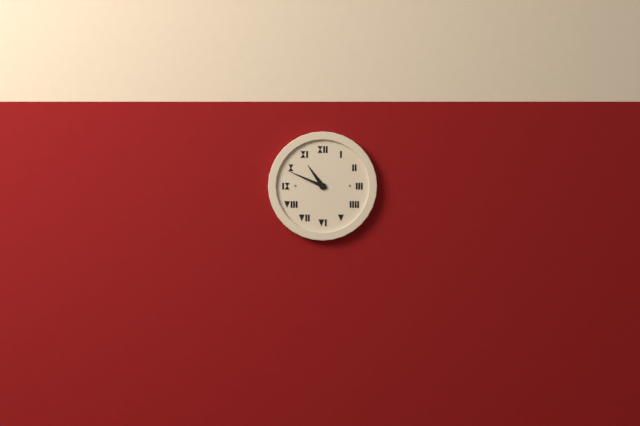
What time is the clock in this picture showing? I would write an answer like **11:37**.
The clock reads **10:49**
